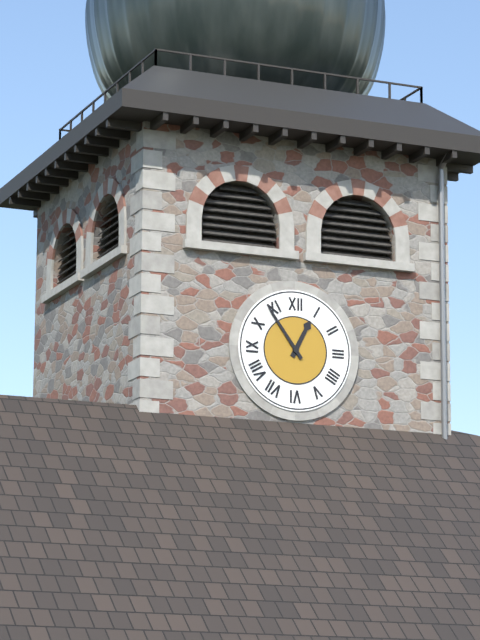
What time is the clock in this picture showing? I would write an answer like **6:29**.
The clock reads **12:54**
